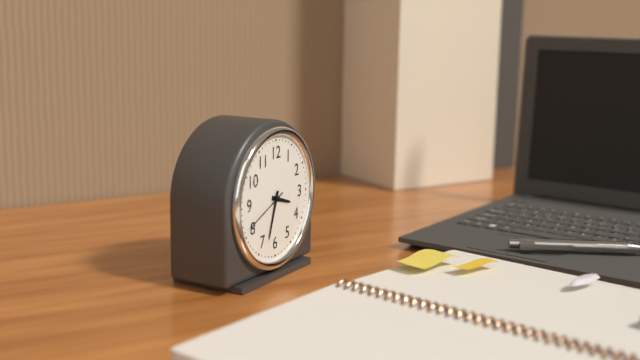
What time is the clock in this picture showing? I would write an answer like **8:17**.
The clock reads **3:33**
